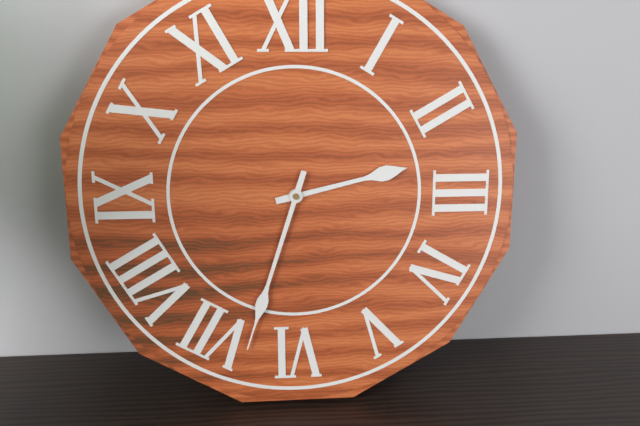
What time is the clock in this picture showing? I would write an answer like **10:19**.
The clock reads **2:33**
